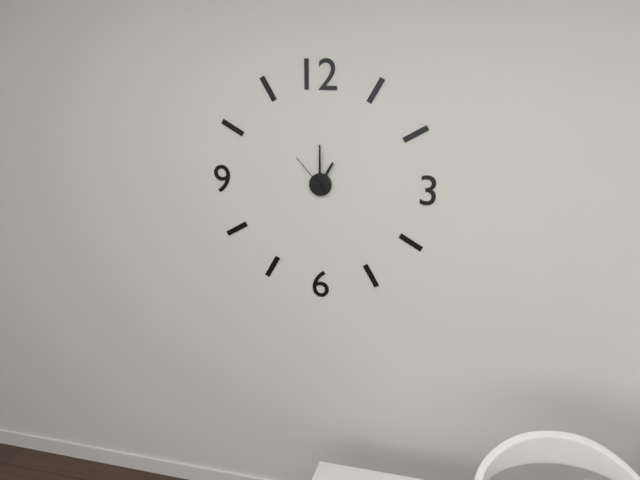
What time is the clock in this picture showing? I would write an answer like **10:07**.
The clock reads **1:00**
